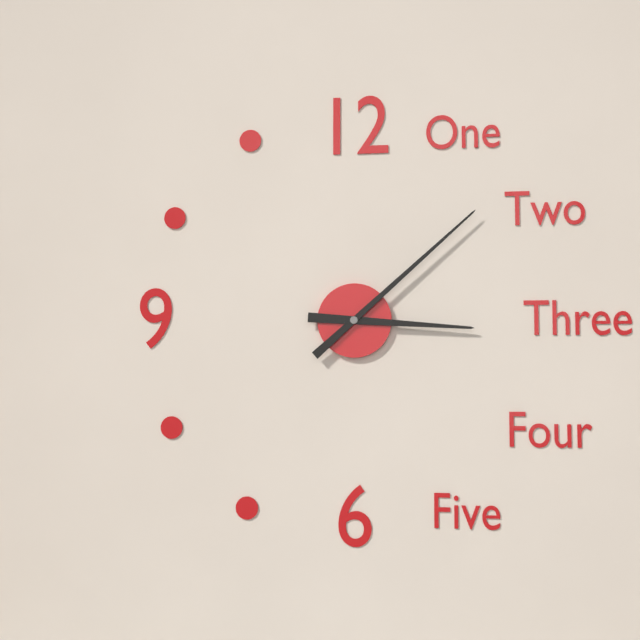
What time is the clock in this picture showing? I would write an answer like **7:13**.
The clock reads **3:08**
